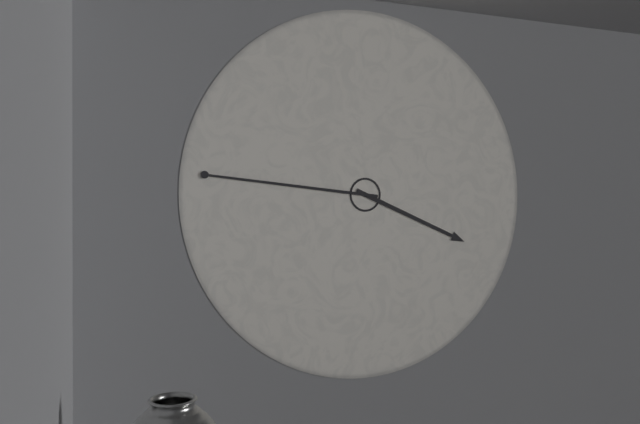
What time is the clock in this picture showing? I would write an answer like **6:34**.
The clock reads **3:46**
